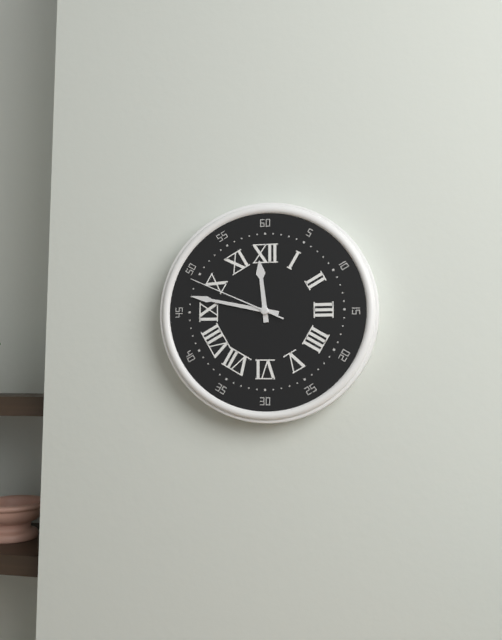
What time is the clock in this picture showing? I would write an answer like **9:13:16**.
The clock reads **11:47:49**
